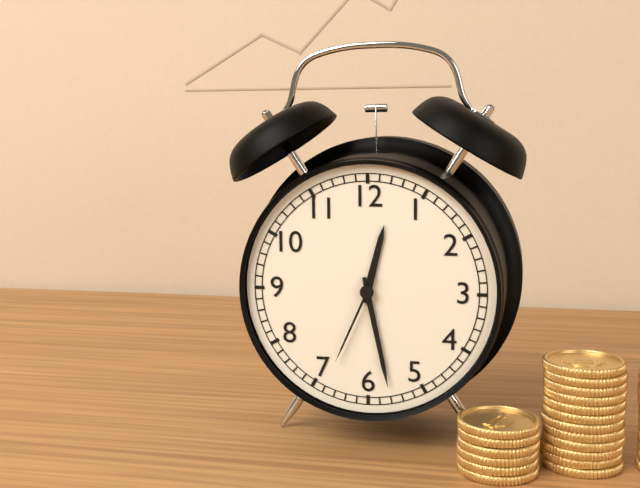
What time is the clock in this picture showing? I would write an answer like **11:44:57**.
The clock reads **12:28:34**
